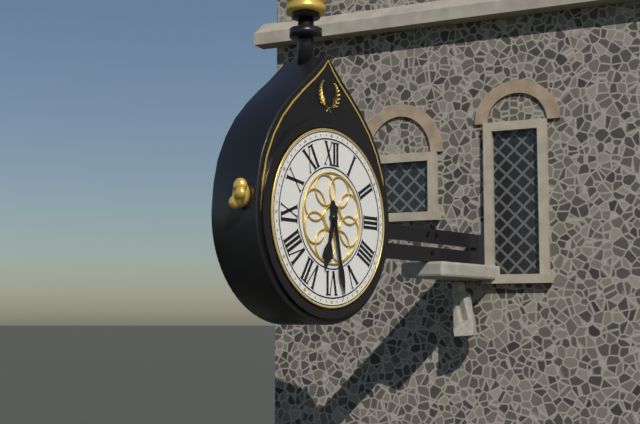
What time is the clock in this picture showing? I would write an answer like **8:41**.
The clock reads **6:28**
